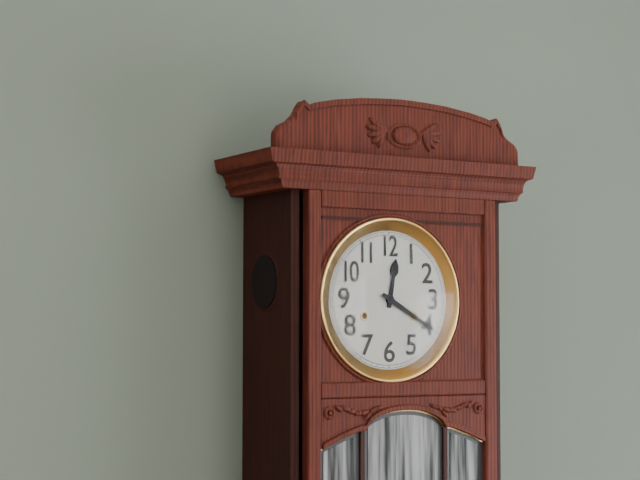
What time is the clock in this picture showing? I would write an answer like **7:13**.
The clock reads **12:20**
